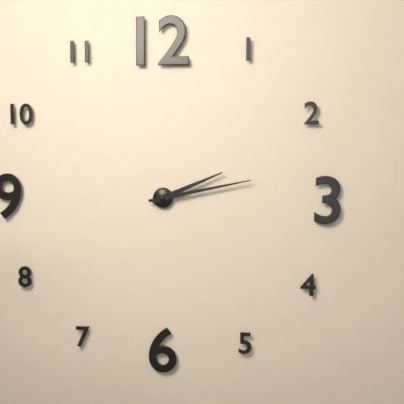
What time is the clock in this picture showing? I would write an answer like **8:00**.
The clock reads **2:13**
